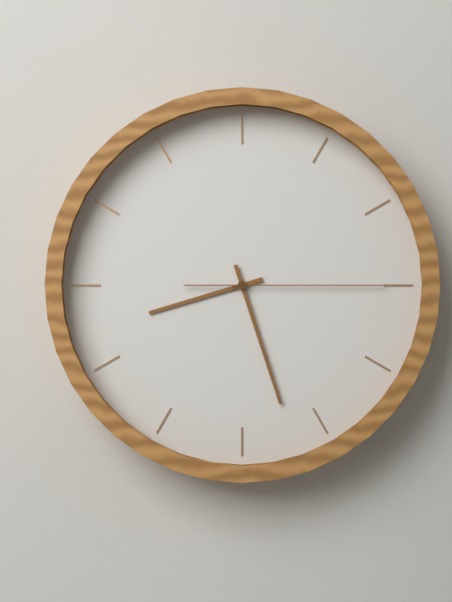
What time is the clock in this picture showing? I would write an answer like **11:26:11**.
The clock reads **8:27:15**
